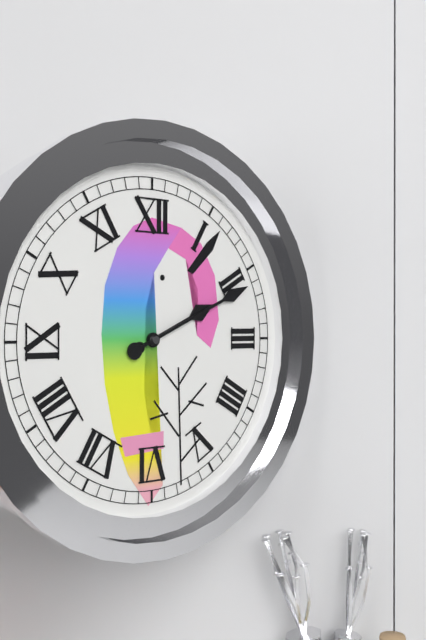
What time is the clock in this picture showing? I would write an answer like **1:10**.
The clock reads **2:11**
